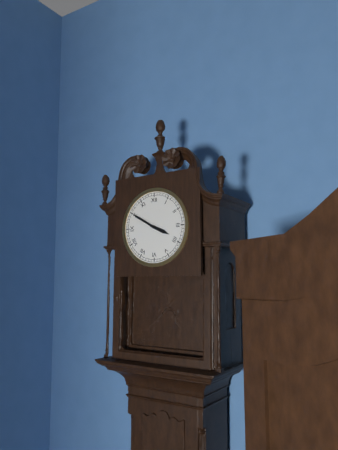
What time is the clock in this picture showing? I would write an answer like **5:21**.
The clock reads **3:50**
